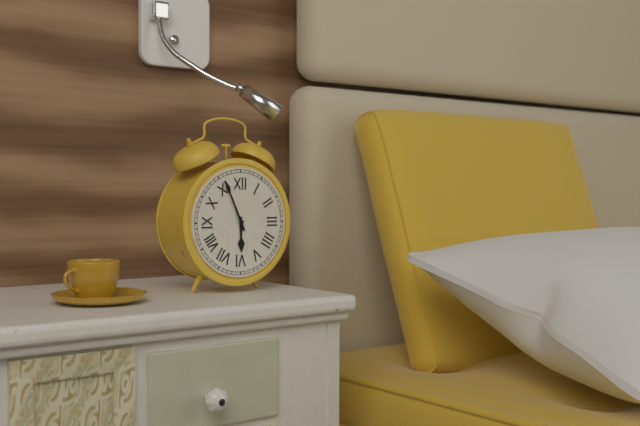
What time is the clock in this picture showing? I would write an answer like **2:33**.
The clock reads **5:56**
